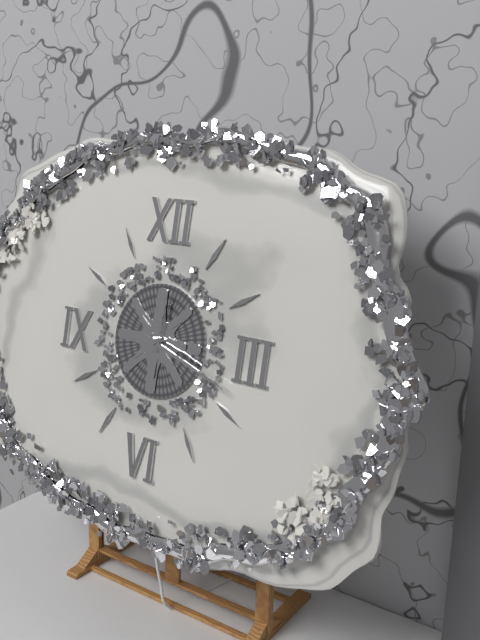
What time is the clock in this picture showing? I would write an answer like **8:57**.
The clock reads **12:18**
